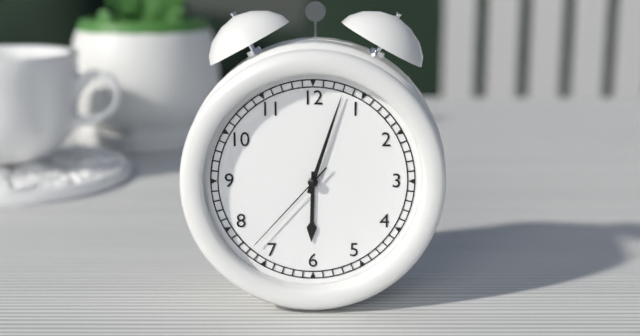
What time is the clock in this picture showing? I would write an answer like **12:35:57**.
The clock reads **6:03:37**
